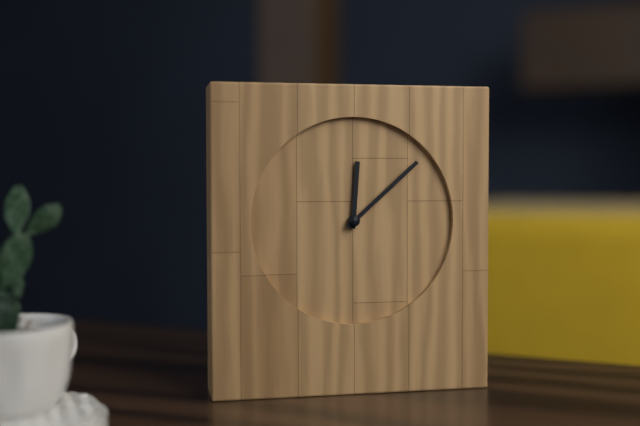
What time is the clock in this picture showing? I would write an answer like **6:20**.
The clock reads **12:08**
